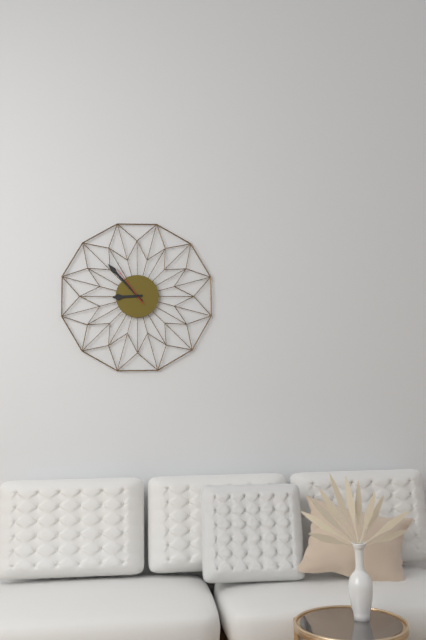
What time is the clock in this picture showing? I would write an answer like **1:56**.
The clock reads **8:53**
